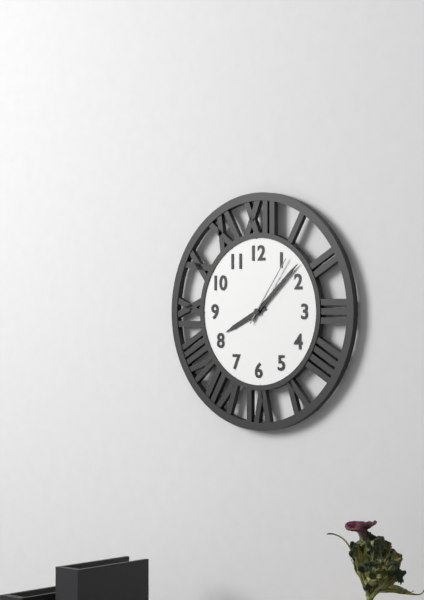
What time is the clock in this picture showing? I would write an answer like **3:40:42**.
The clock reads **8:08:06**
